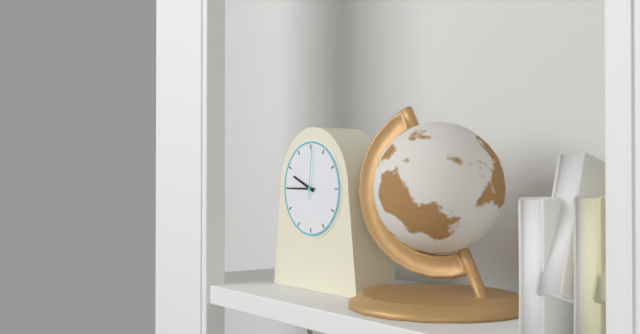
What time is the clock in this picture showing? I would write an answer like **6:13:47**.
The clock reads **9:45:01**
